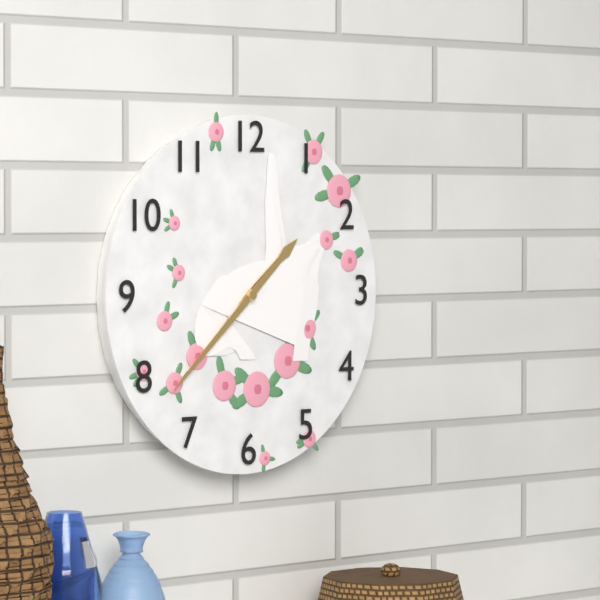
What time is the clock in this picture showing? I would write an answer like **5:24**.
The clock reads **1:38**
